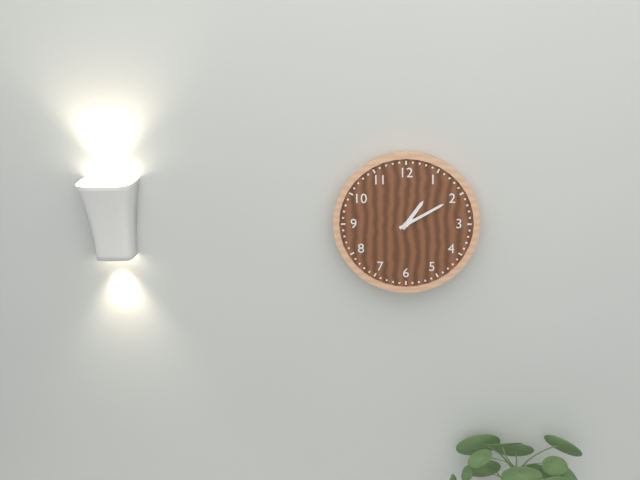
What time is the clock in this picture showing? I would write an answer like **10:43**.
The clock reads **1:10**
